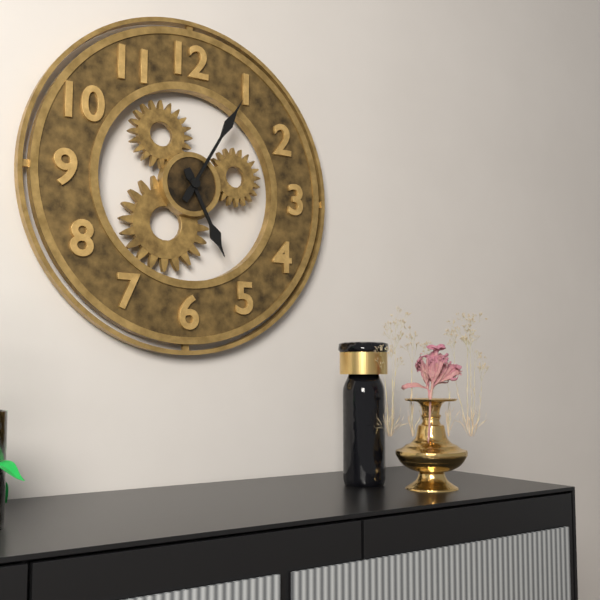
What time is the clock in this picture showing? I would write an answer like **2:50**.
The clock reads **5:05**
